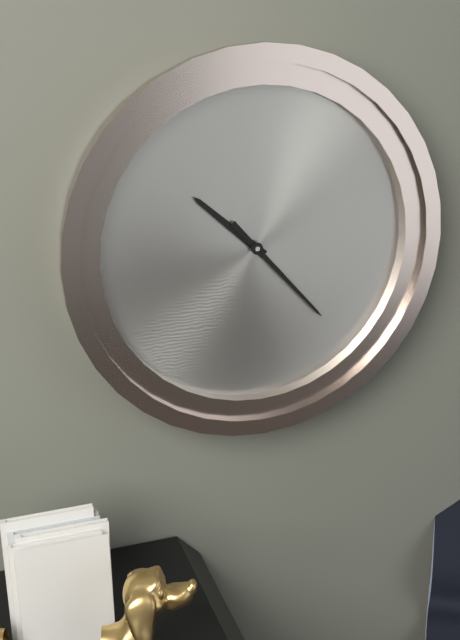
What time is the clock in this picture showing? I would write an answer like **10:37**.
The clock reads **10:23**
